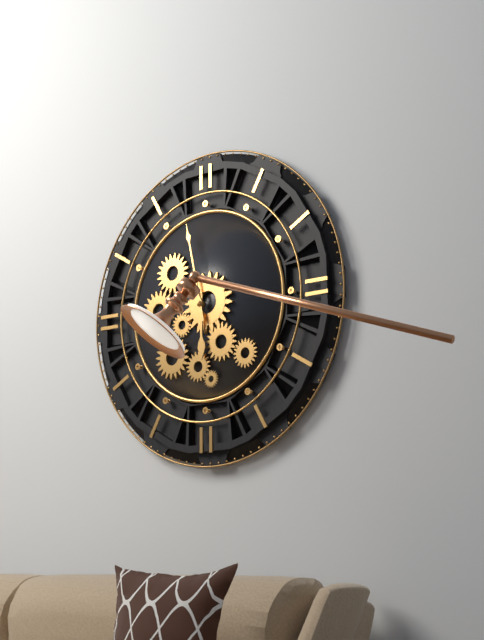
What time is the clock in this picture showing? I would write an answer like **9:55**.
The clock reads **5:58**
